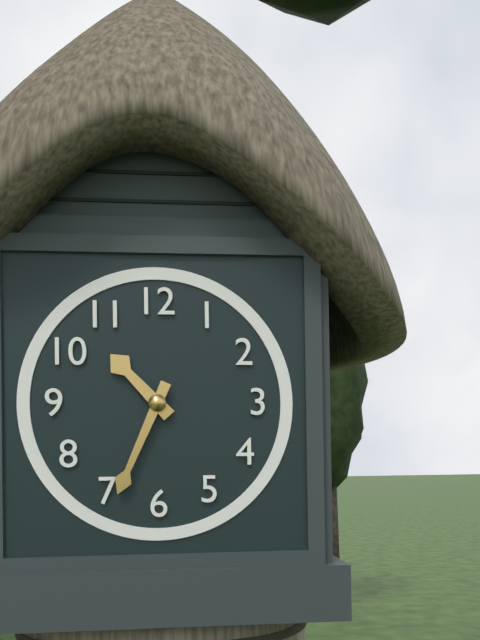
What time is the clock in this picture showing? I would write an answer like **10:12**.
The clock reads **10:34**
